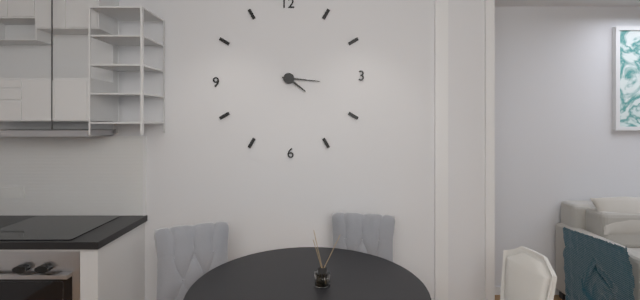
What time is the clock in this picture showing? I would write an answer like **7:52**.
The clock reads **4:16**
